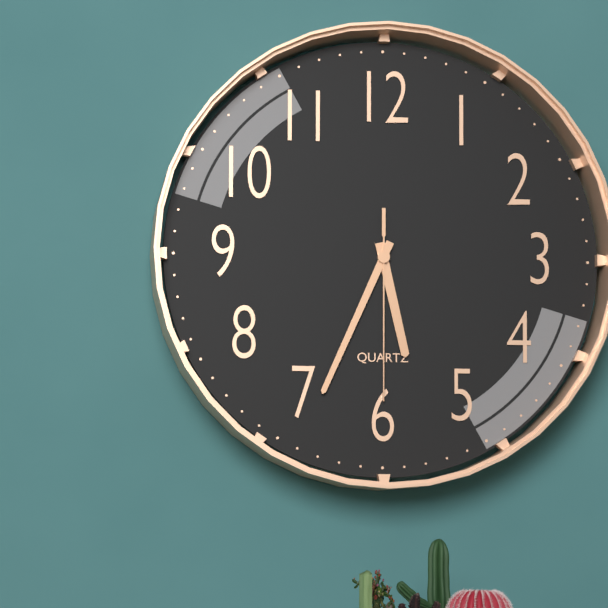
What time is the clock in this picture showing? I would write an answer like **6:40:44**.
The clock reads **5:34:30**
